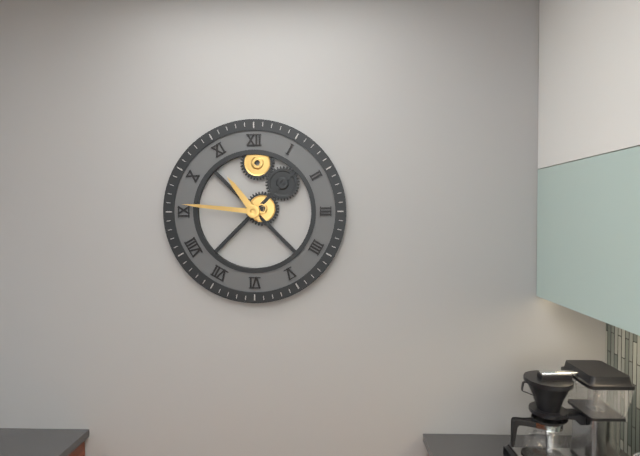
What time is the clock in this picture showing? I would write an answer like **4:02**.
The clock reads **10:46**
